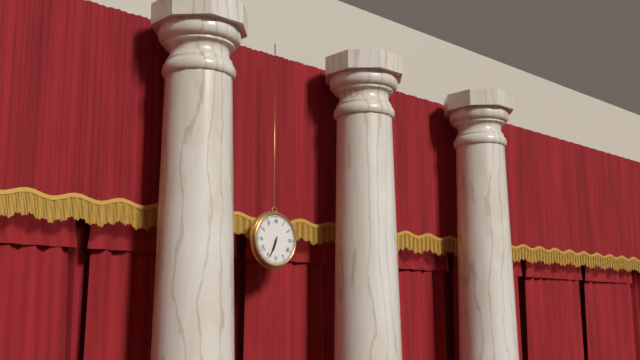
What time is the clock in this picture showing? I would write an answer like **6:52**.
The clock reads **6:34**
